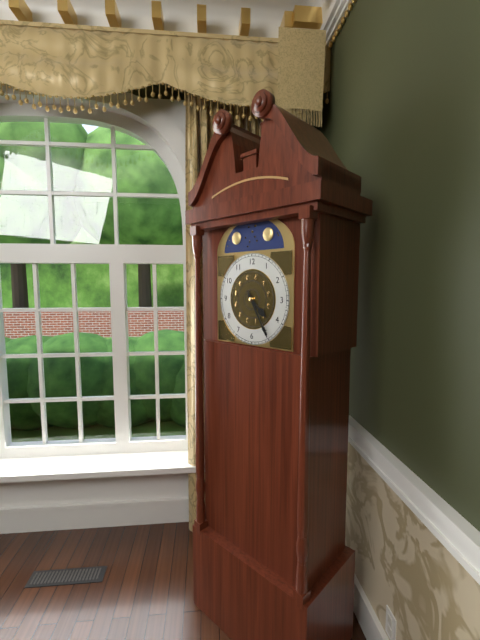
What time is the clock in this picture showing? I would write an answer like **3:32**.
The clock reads **4:25**
